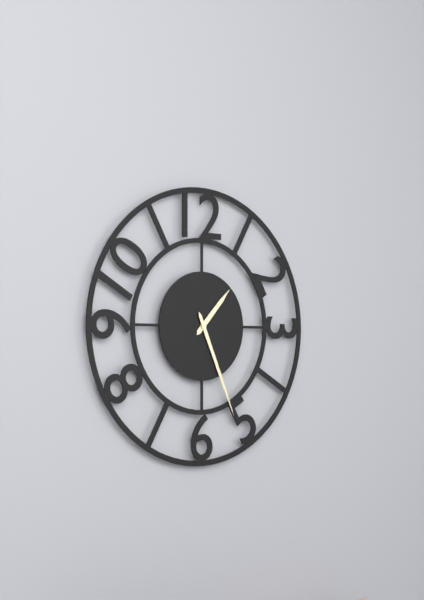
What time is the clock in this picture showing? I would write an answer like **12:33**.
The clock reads **1:26**
